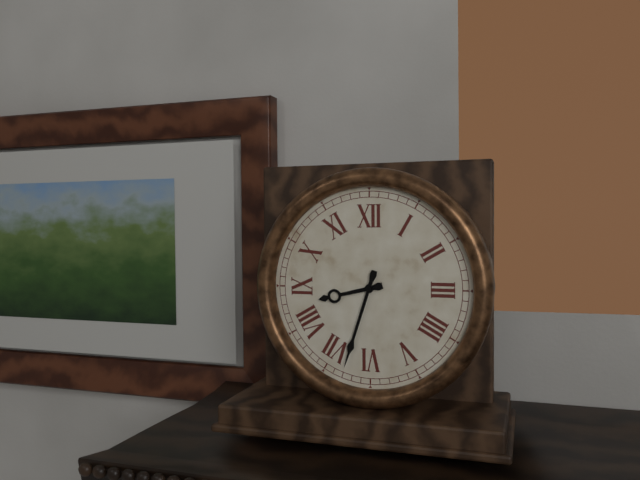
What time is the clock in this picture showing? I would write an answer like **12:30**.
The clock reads **8:33**
